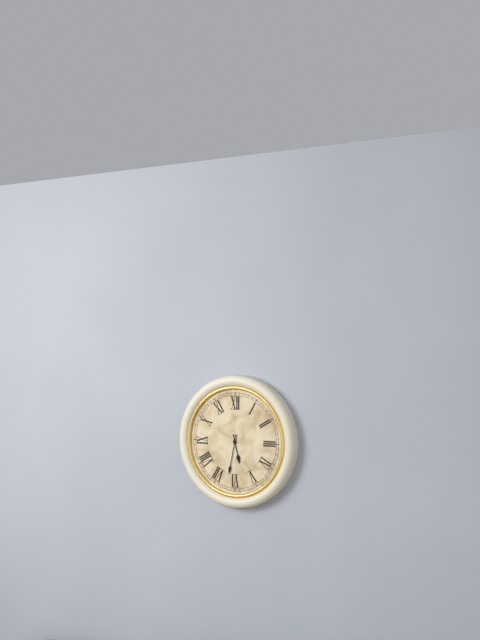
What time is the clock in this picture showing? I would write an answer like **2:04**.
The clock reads **5:32**
